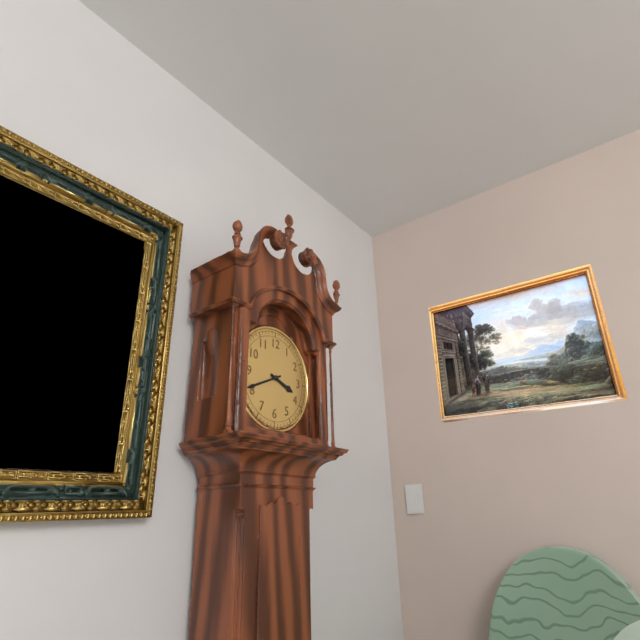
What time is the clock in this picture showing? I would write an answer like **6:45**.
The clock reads **3:41**
